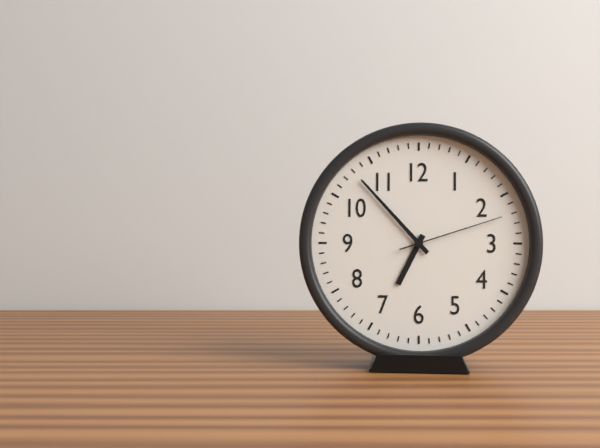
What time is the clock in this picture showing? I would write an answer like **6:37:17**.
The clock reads **6:53:12**
